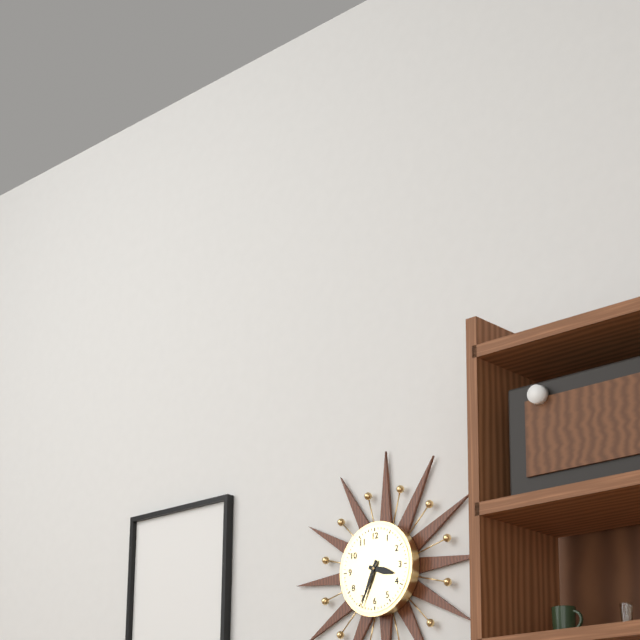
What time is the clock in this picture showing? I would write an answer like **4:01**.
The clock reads **3:34**
